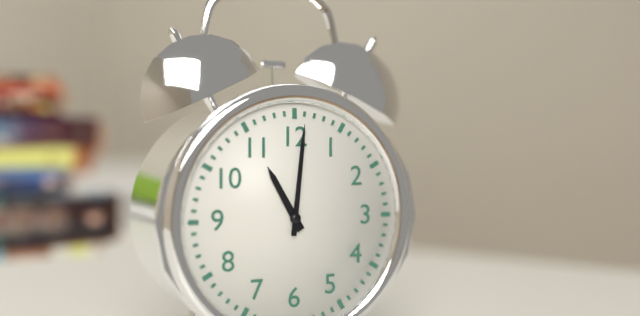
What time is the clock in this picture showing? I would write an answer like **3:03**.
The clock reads **11:01**
